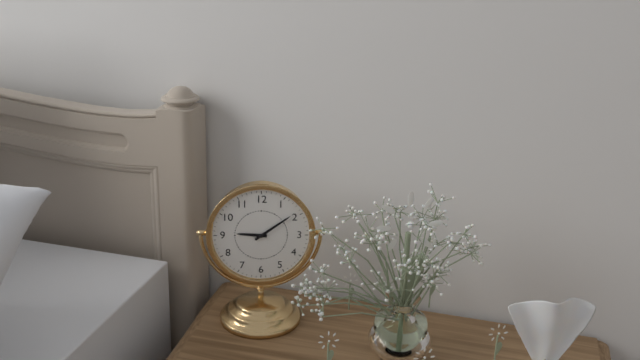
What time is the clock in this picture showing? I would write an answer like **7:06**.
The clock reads **9:09**
